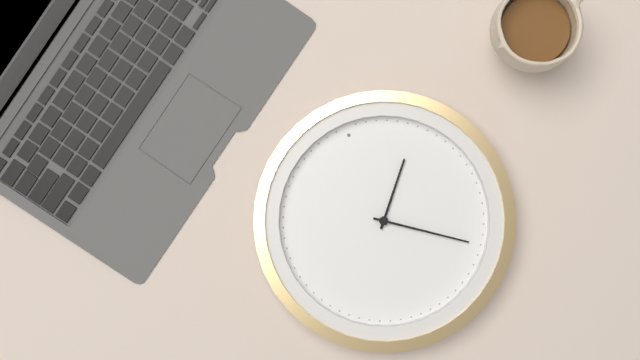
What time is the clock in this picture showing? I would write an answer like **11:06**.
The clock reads **1:21**
